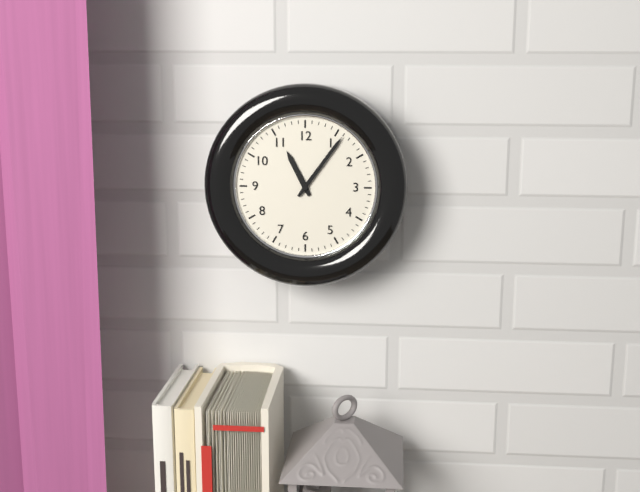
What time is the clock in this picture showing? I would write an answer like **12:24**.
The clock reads **11:06**
